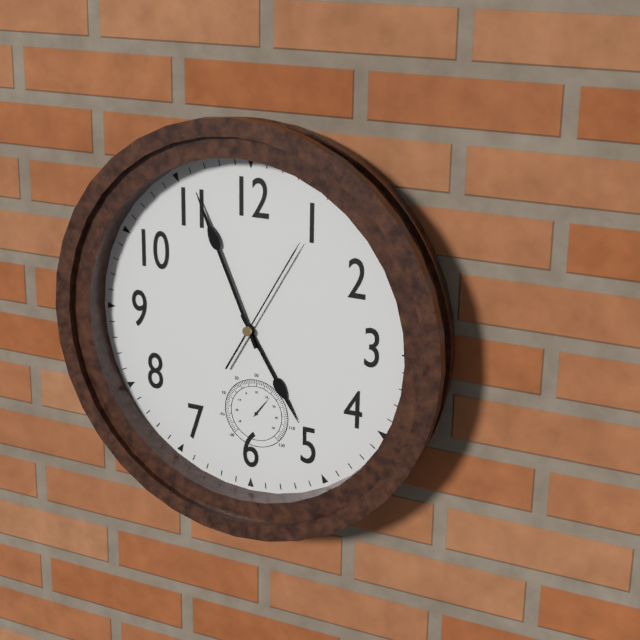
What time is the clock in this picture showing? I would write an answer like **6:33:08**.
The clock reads **4:56:05**
